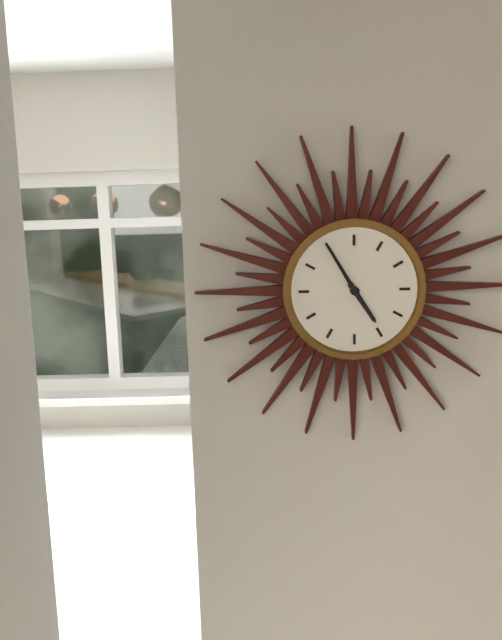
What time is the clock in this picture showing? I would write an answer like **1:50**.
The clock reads **4:55**
